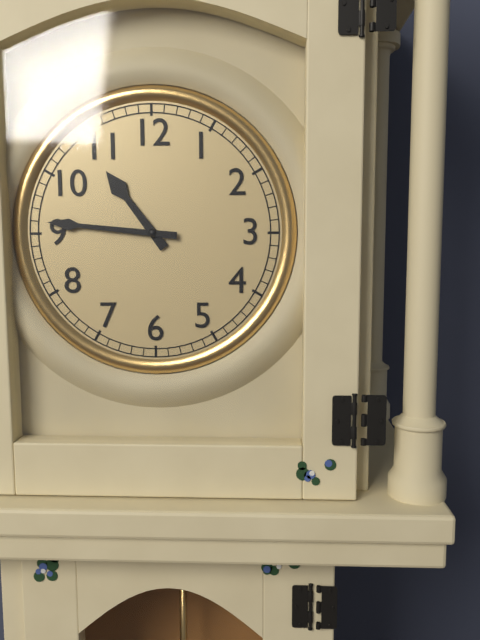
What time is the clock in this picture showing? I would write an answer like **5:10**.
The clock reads **10:46**
